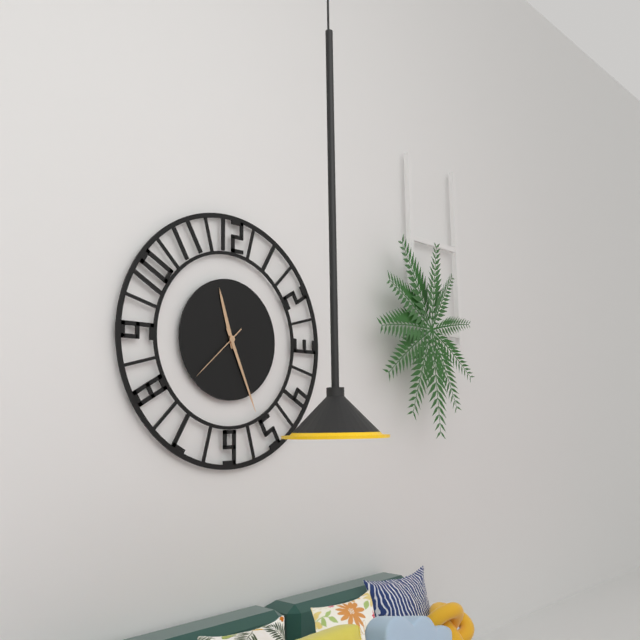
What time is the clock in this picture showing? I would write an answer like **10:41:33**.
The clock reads **11:26:38**
